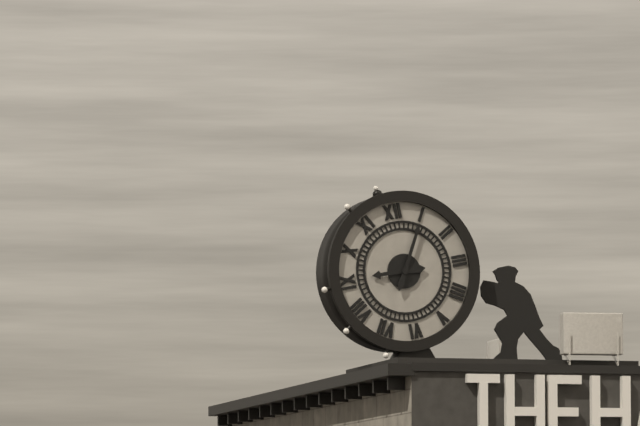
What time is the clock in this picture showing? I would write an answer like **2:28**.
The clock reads **9:05**
